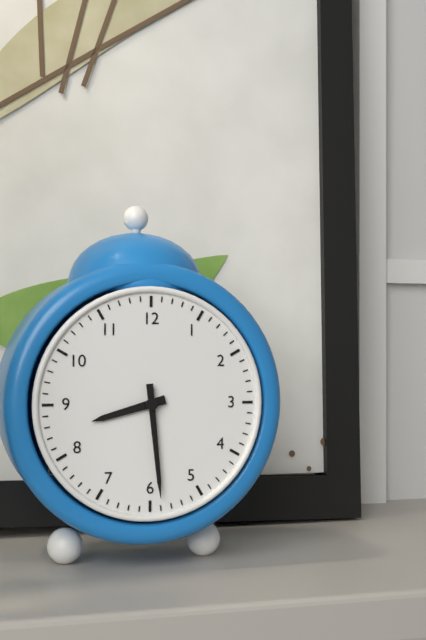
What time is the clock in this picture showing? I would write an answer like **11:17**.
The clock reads **8:29**
